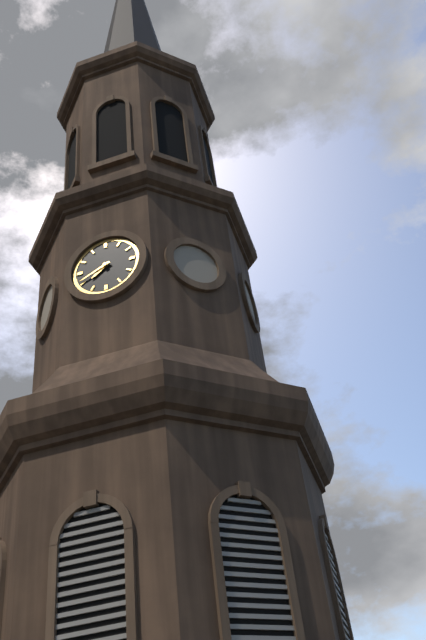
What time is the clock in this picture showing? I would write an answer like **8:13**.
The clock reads **7:41**
